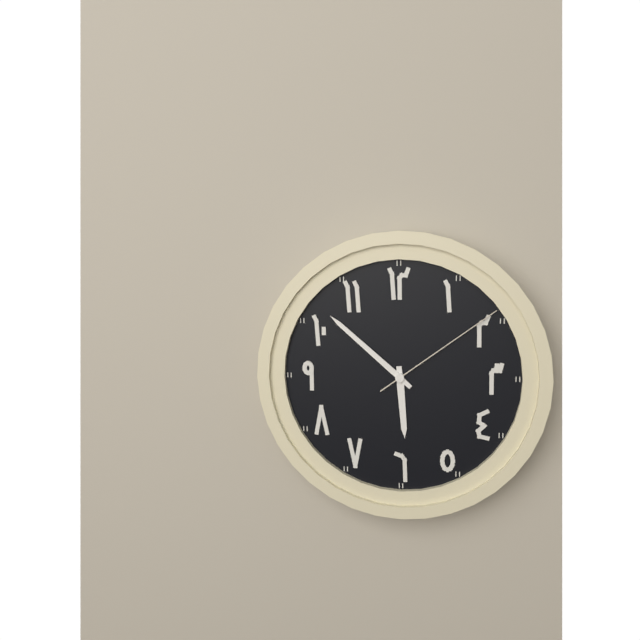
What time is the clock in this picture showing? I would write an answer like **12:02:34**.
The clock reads **5:52:09**
